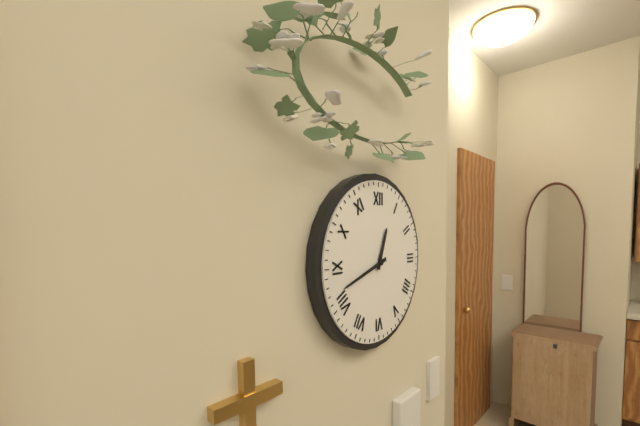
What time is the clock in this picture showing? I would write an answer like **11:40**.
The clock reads **12:42**
